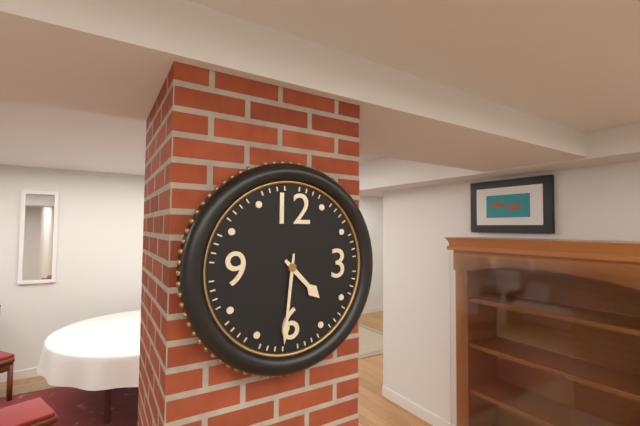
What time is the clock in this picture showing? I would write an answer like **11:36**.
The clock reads **4:31**
